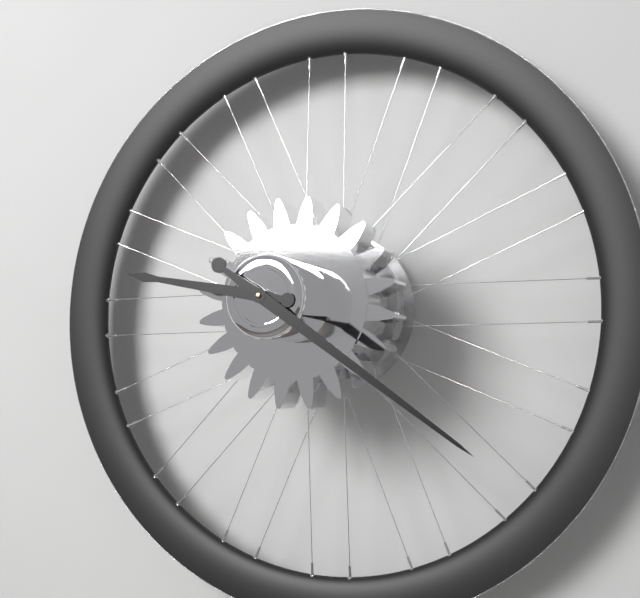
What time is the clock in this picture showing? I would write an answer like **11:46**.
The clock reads **9:21**
